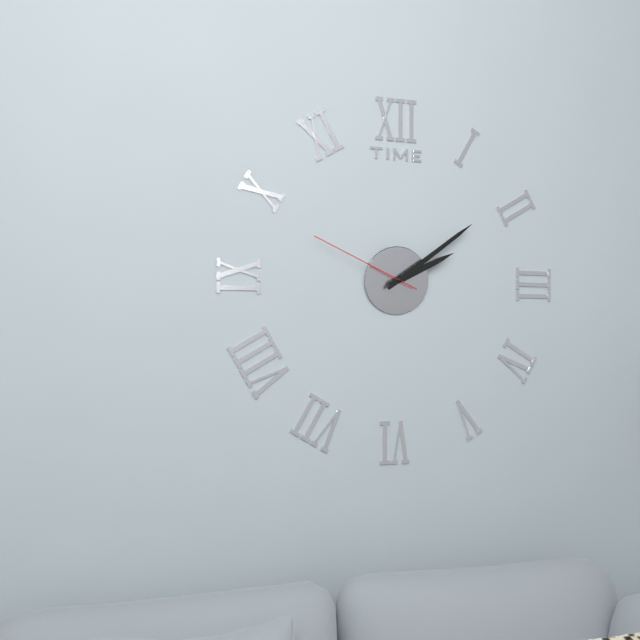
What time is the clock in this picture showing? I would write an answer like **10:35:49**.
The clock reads **2:09:49**
